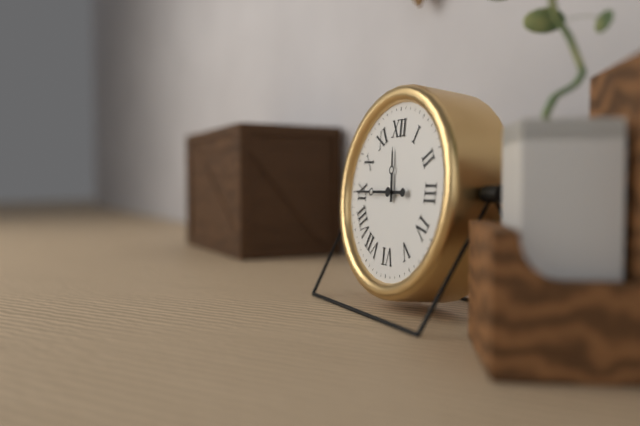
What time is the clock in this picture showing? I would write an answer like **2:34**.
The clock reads **11:45**
